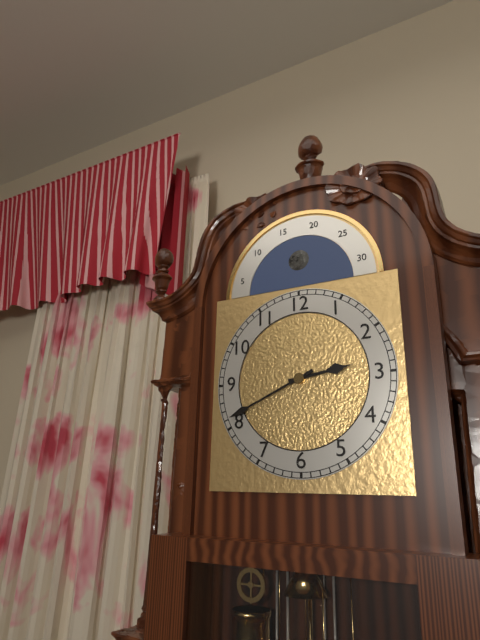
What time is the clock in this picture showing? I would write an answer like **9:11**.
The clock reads **2:41**
